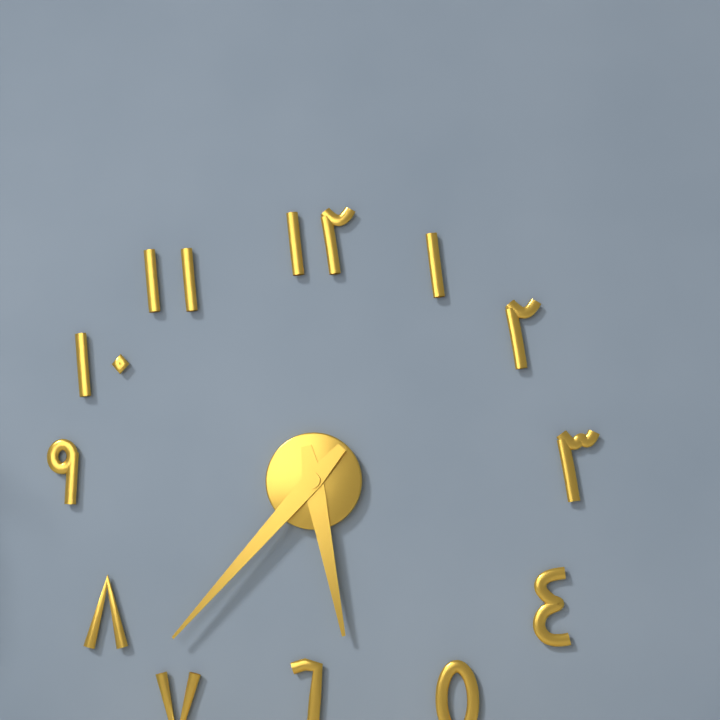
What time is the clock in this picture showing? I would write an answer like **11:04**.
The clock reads **5:37**
